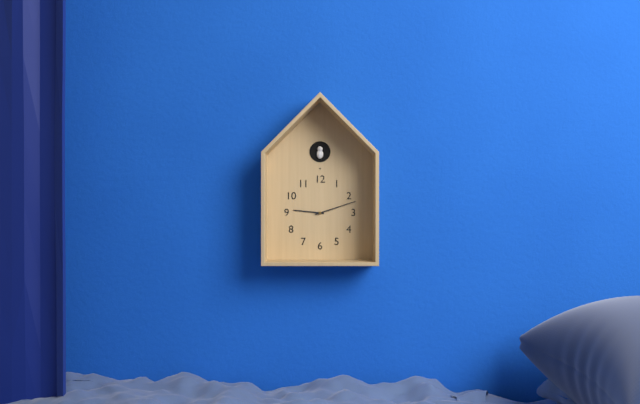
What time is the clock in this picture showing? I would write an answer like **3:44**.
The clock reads **9:12**
